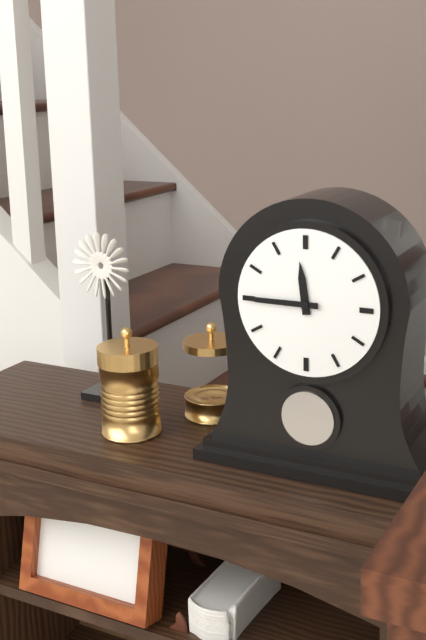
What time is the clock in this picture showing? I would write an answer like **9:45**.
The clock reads **11:45**
